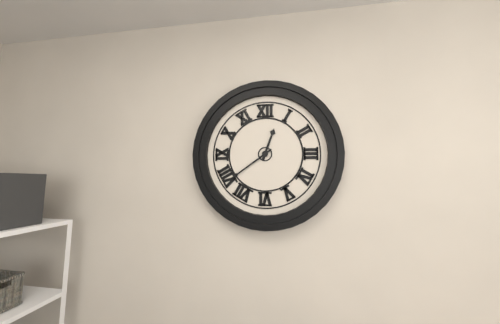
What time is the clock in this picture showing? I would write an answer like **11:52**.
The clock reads **12:39**
